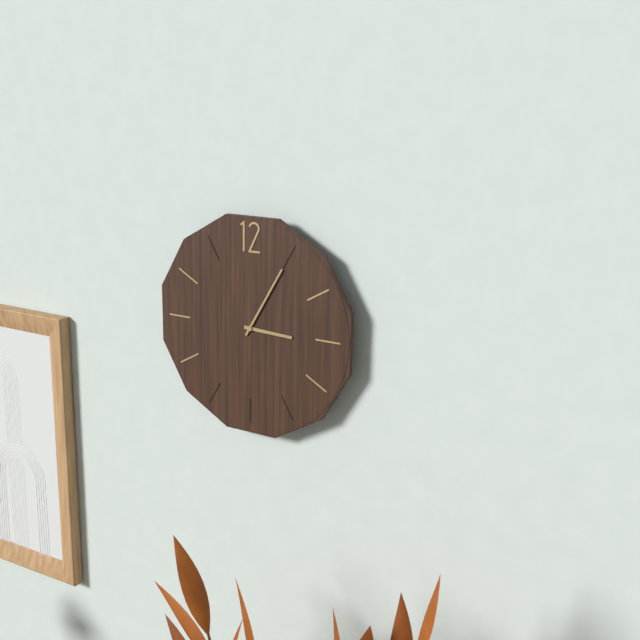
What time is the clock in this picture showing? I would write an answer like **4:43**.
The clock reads **3:05**
